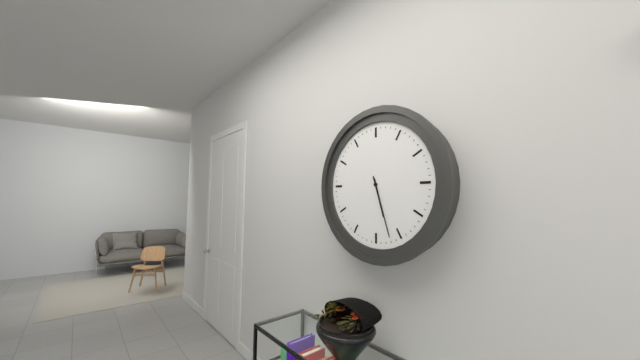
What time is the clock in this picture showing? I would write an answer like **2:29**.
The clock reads **5:27**
